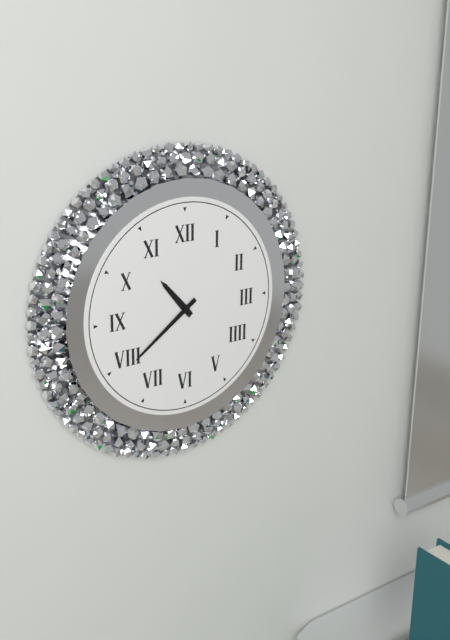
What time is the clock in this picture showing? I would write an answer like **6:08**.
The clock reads **10:39**
